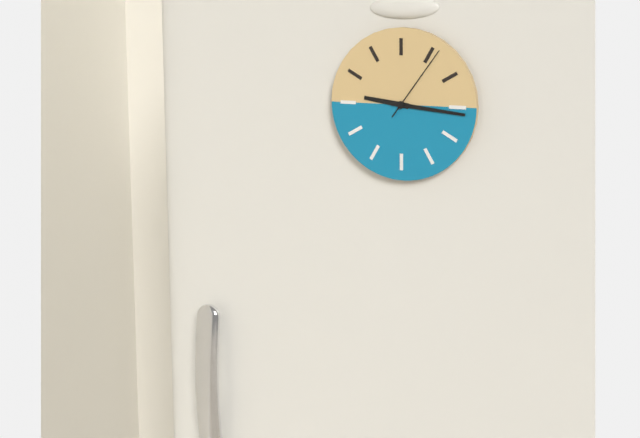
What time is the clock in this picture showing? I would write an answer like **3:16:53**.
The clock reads **9:16:06**
